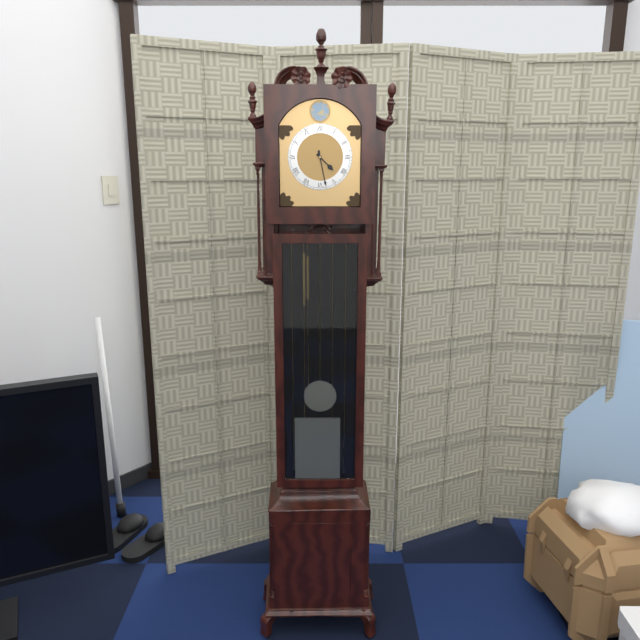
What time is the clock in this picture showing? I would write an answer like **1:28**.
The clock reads **4:28**
